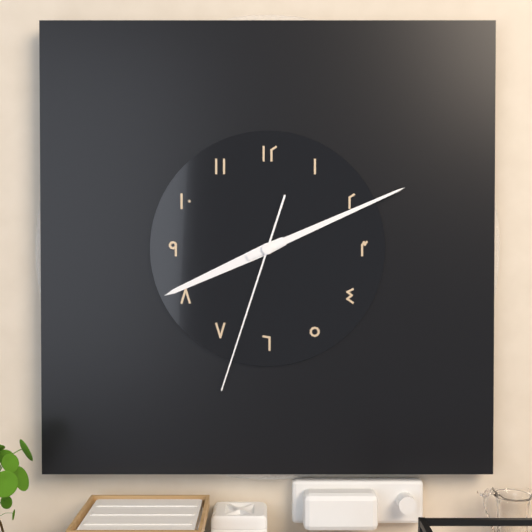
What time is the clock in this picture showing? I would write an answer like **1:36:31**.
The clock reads **8:11:33**
